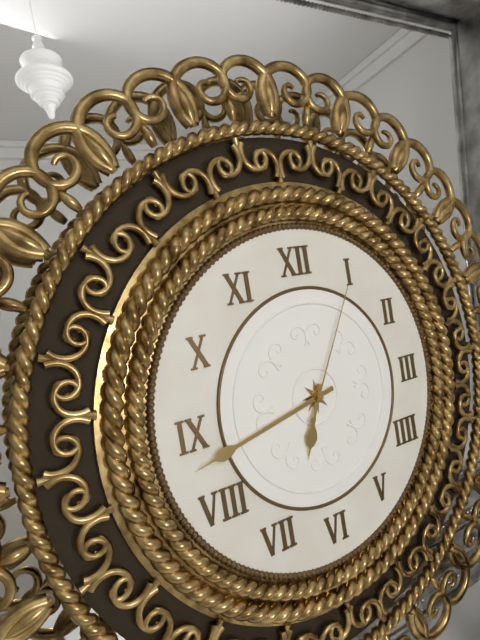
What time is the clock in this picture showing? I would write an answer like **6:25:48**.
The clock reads **6:43:05**
